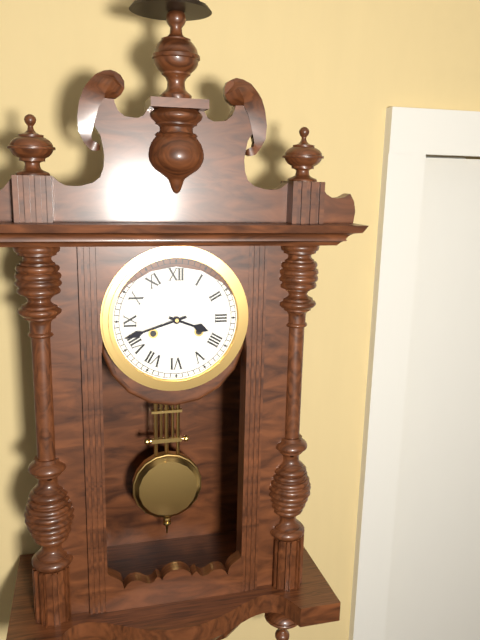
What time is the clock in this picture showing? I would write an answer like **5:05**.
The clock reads **3:42**
